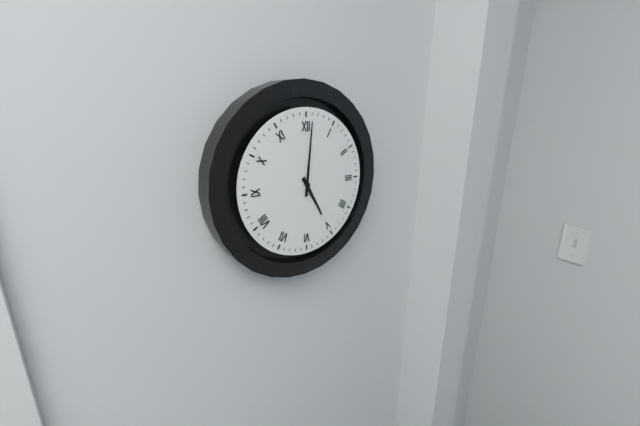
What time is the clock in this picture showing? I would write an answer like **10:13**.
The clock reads **5:01**
